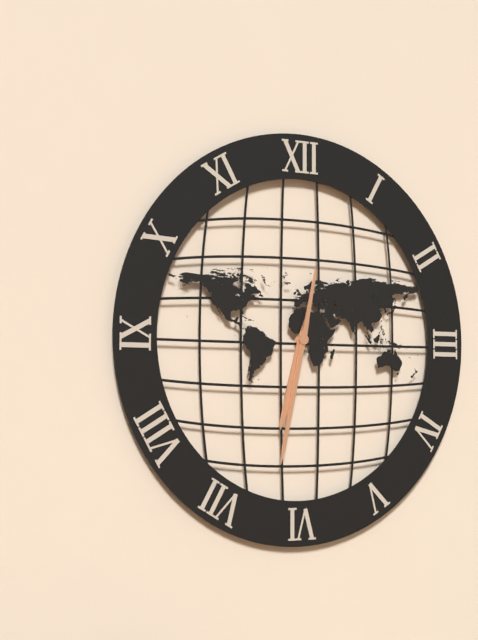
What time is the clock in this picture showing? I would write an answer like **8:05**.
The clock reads **6:32**
